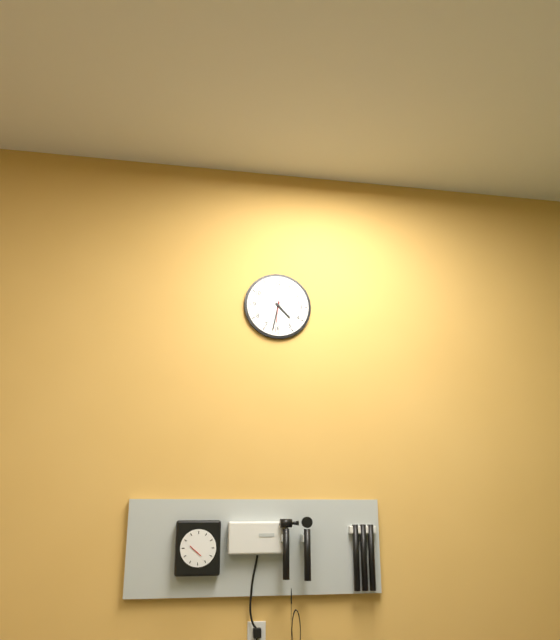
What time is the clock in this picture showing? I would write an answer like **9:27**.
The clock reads **4:32**
